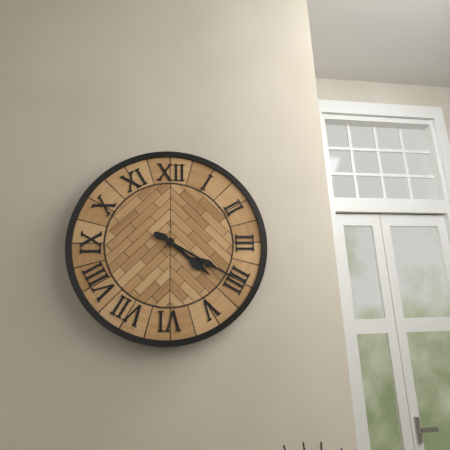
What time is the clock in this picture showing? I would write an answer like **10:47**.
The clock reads **4:20**
